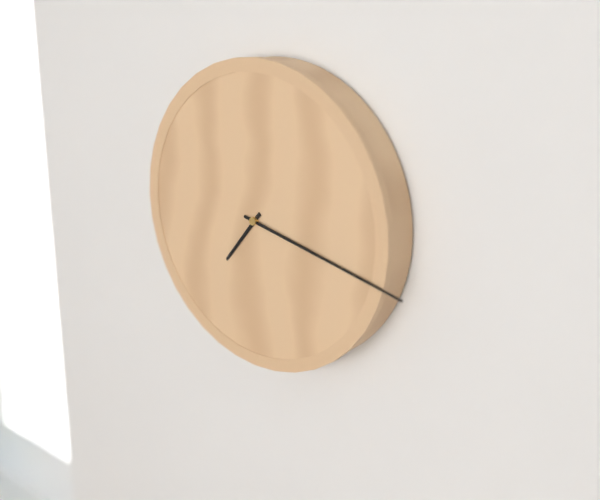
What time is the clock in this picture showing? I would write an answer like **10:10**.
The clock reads **7:17**
